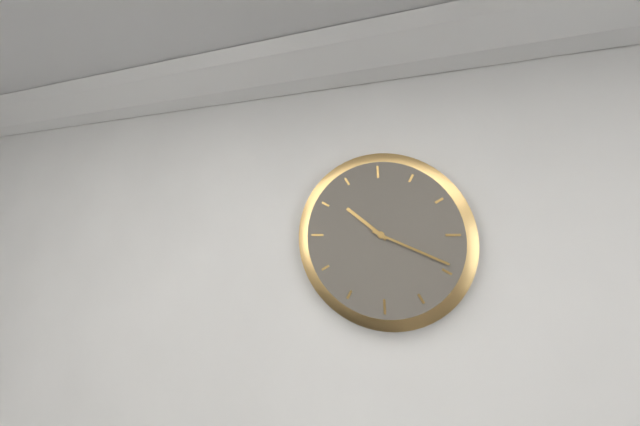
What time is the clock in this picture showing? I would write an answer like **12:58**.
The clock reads **10:19**
